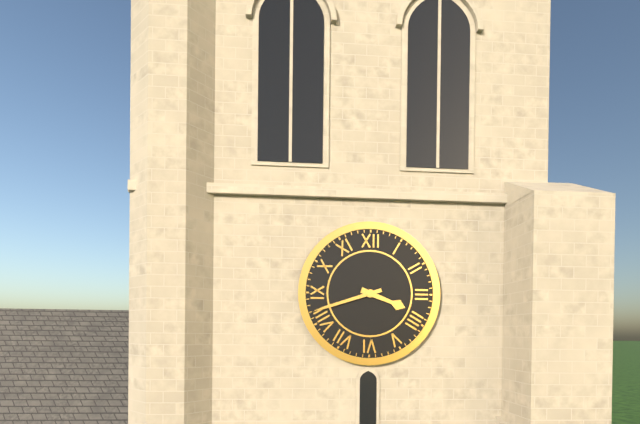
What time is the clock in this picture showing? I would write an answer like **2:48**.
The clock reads **3:42**
